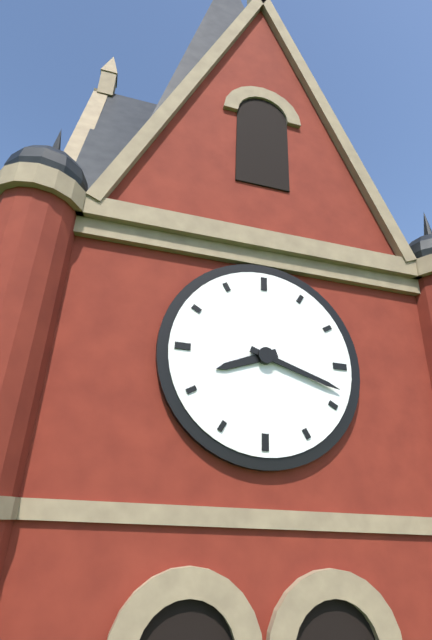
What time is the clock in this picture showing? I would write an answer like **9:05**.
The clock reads **8:18**
